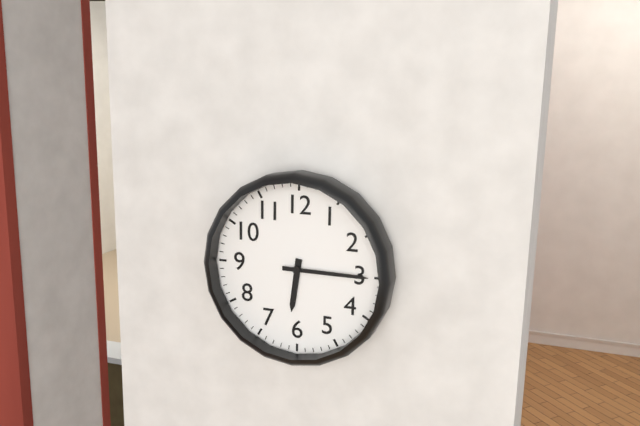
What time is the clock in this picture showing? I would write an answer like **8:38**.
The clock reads **6:15**
